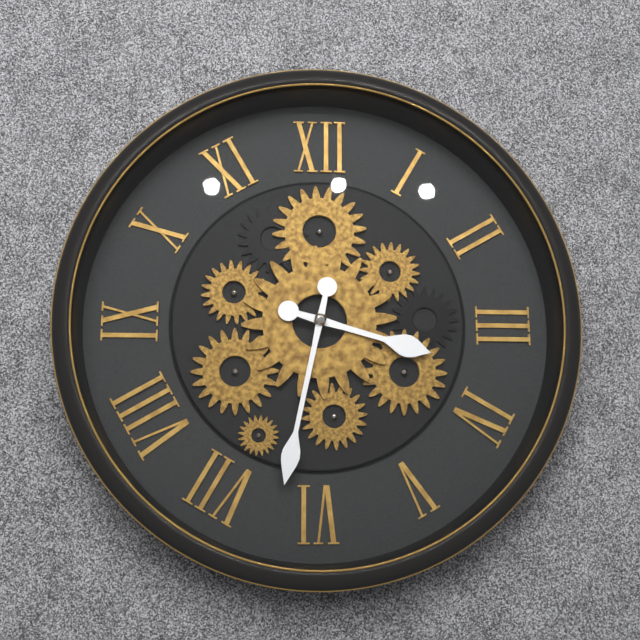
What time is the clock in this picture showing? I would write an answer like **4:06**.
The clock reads **3:32**
